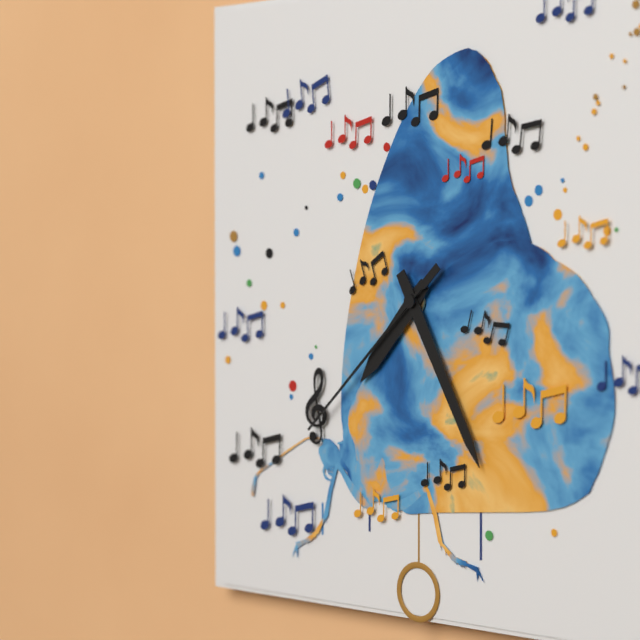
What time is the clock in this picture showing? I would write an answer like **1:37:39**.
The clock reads **7:25:38**
